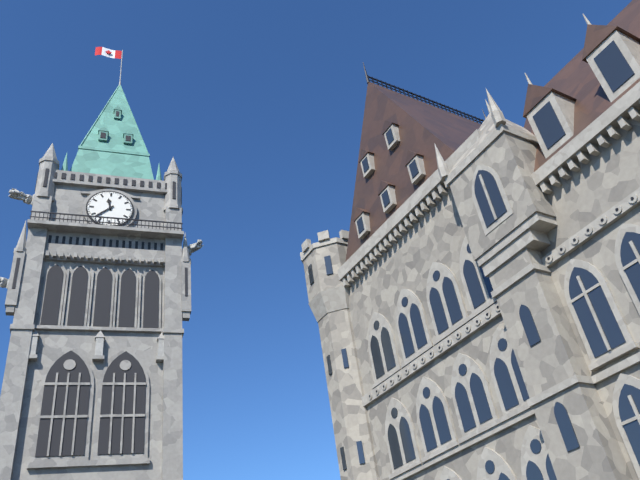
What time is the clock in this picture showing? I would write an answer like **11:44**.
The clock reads **11:38**
